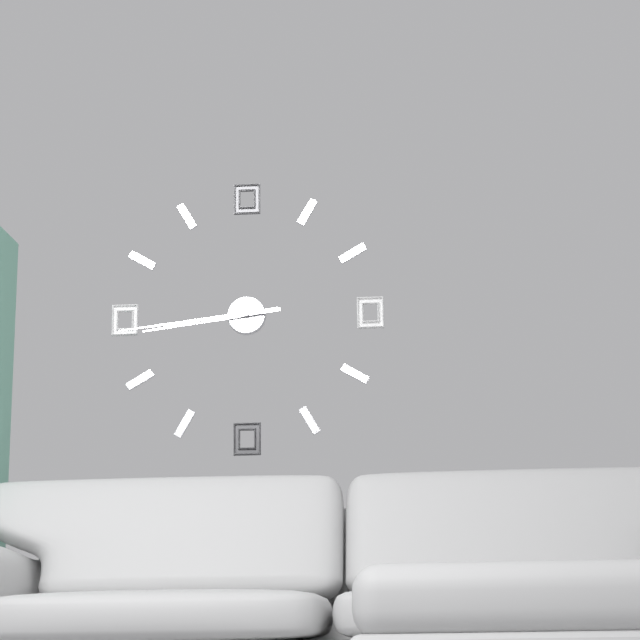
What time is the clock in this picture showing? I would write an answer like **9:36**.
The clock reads **8:44**
